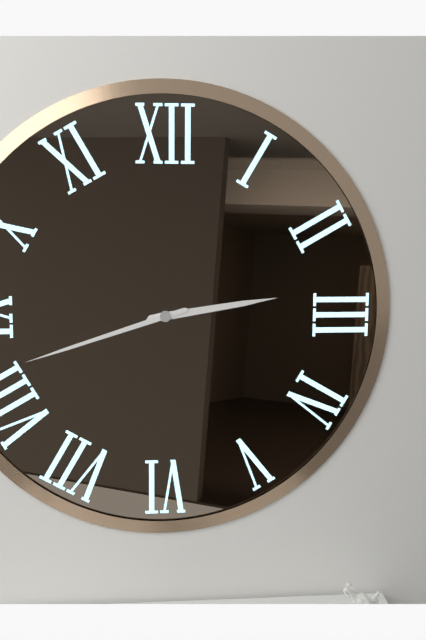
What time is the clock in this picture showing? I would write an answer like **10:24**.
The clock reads **2:42**
